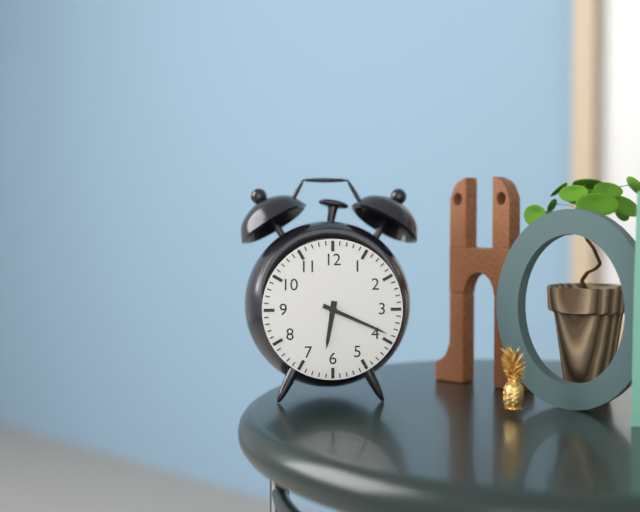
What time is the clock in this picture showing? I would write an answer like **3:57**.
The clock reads **6:19**
